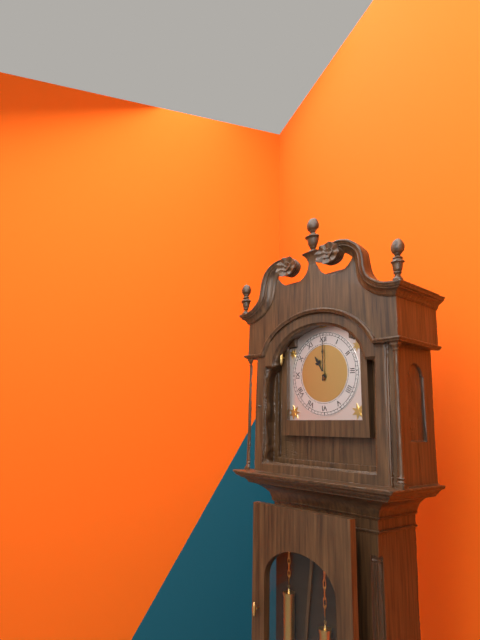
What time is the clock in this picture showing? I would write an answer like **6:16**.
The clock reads **11:00**
